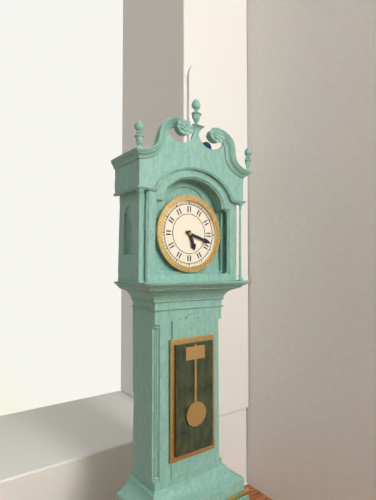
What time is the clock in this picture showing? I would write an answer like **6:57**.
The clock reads **5:18**
